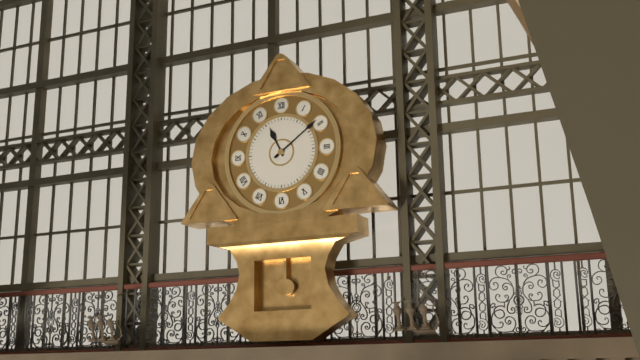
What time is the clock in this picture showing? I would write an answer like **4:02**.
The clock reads **11:09**
